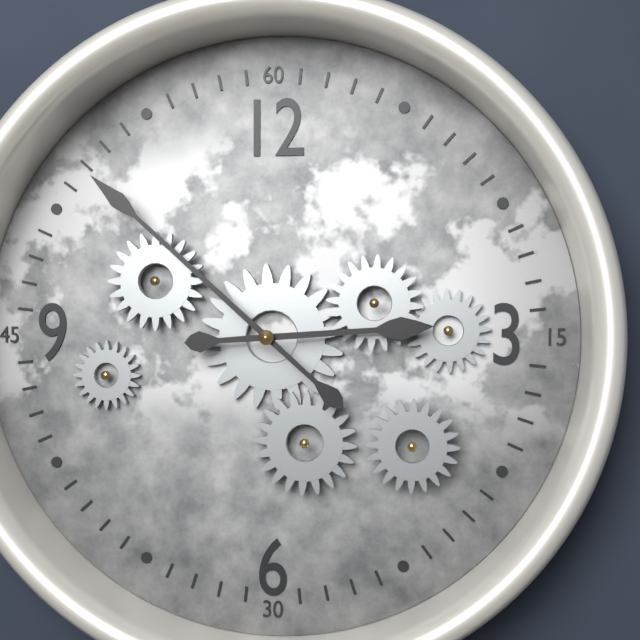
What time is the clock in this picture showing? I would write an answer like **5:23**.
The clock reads **2:52**
